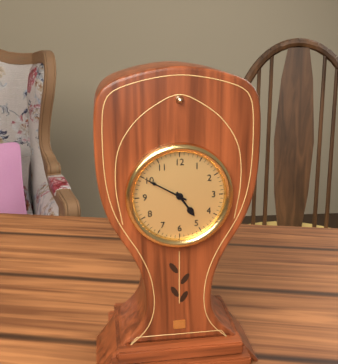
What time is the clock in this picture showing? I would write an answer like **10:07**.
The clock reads **4:50**
